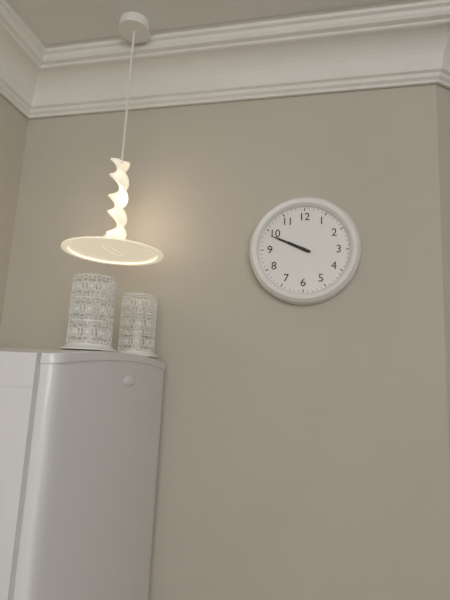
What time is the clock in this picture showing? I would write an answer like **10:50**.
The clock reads **9:49**
